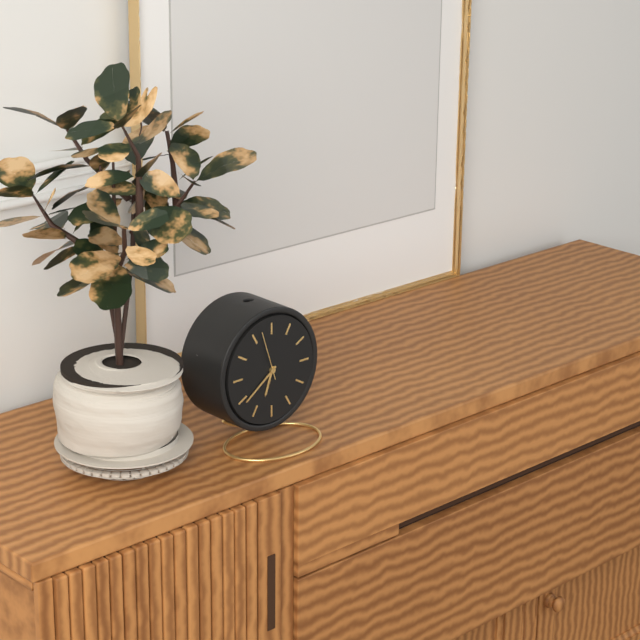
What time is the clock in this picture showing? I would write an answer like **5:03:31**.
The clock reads **6:39:57**
